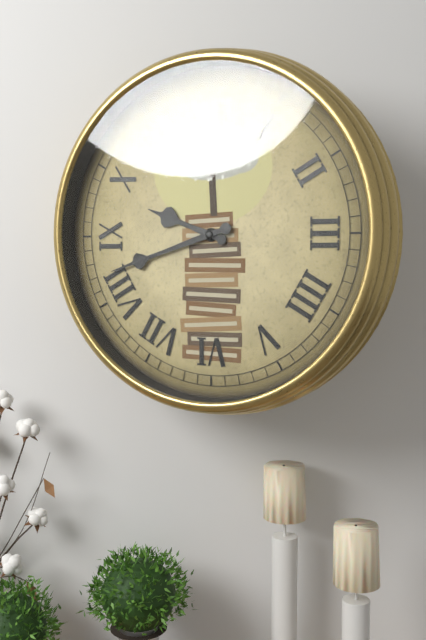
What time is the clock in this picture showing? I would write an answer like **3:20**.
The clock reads **9:42**
